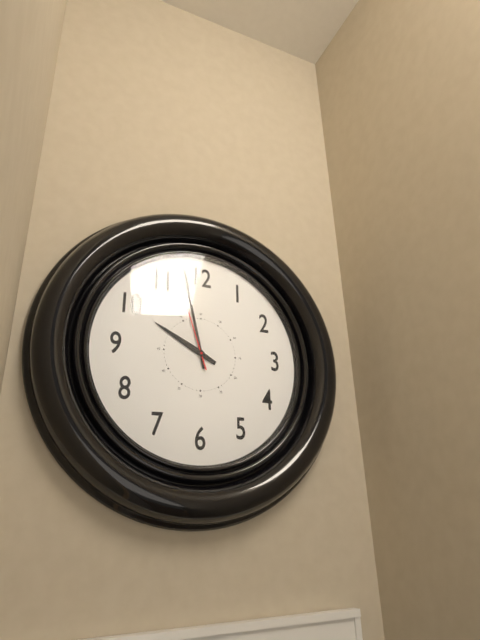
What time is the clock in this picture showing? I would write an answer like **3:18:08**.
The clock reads **9:58:57**
